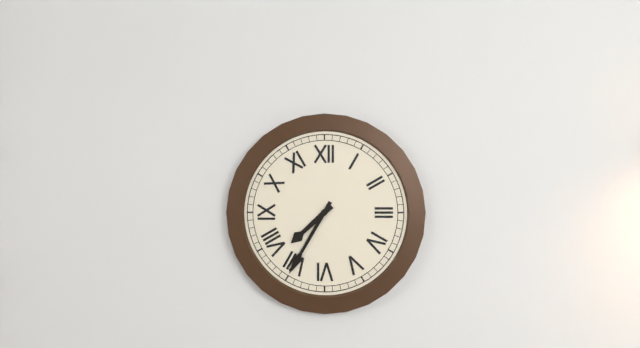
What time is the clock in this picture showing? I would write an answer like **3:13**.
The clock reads **7:35**
